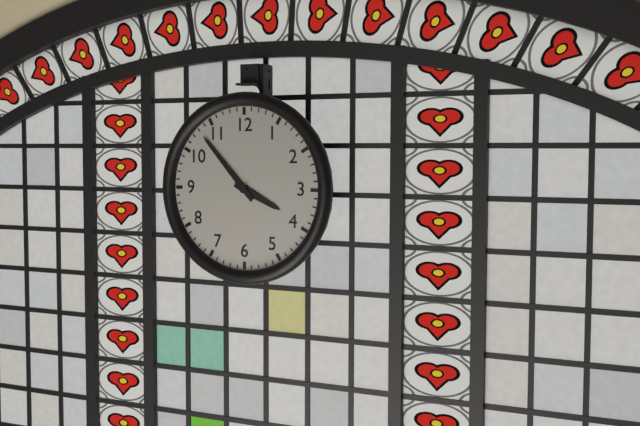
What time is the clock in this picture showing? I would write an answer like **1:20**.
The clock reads **3:53**
